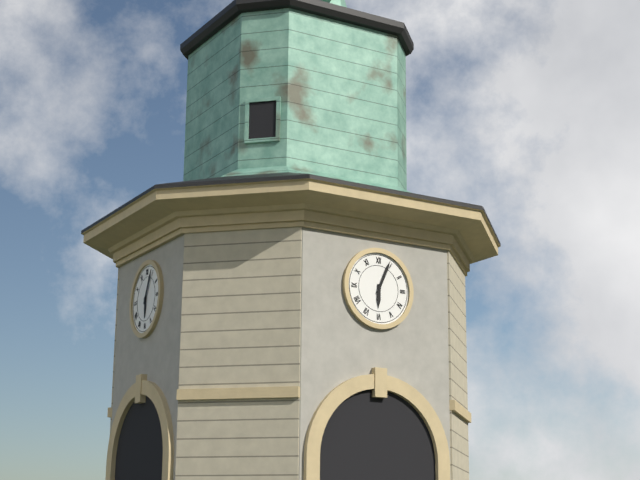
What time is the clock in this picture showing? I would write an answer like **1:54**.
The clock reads **6:04**
